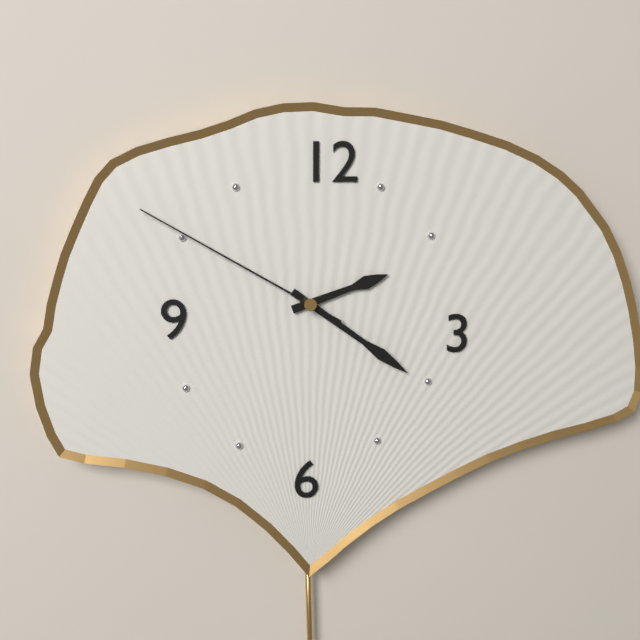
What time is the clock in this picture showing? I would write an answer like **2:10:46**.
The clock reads **2:21:50**
